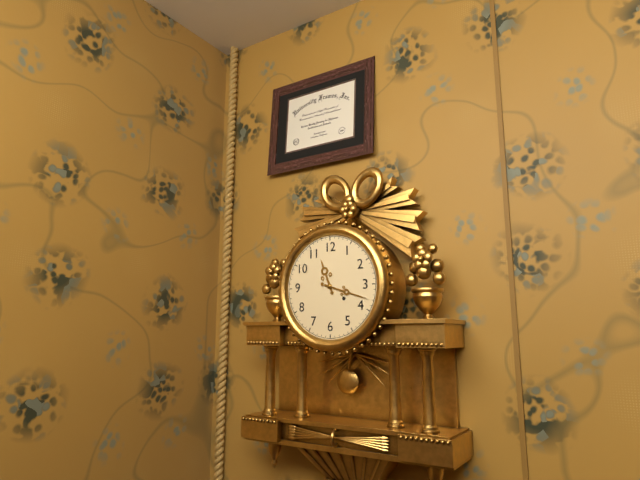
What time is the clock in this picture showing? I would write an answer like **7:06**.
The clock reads **11:18**
